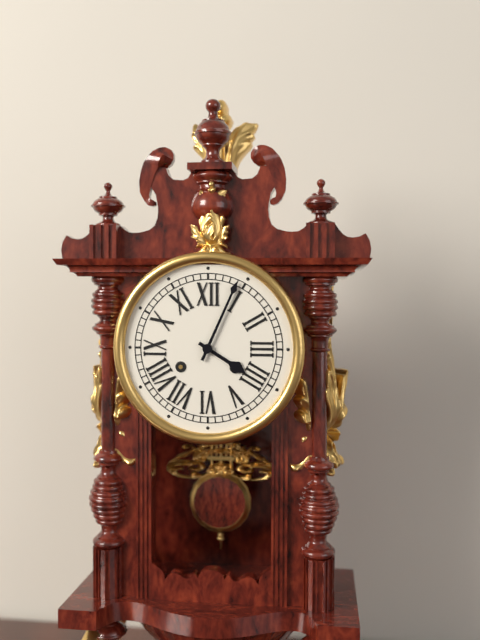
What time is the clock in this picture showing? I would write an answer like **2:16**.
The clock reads **4:04**
